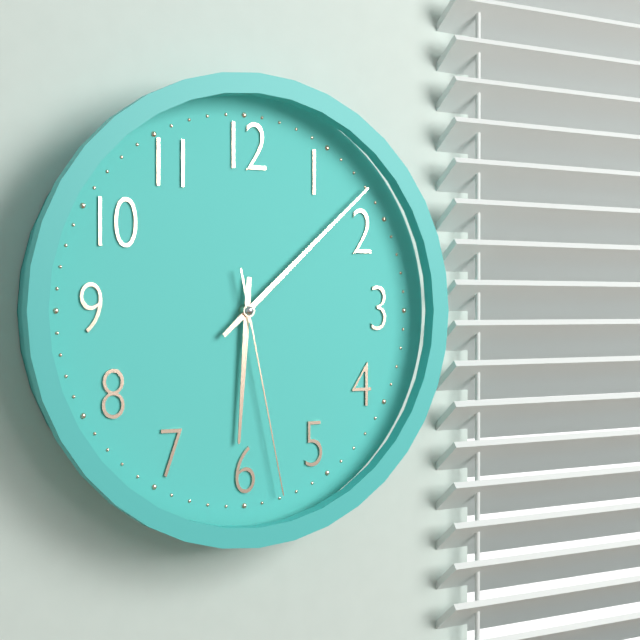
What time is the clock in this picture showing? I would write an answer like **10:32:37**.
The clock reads **6:08:28**
